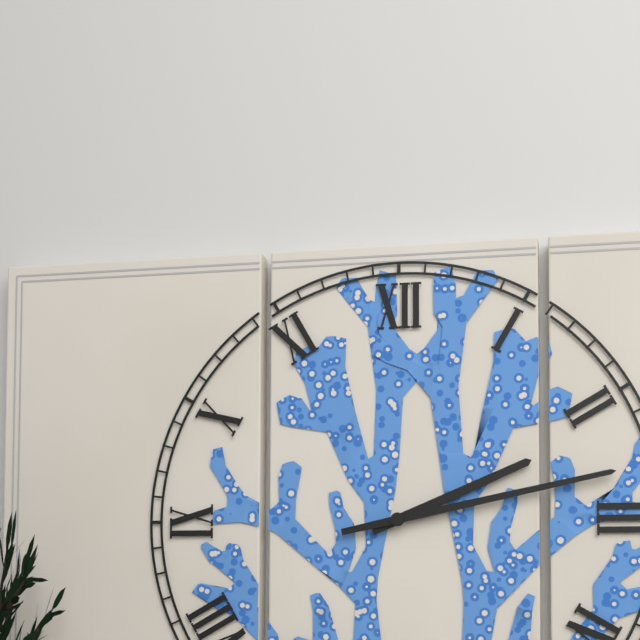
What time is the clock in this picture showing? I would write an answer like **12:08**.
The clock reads **2:13**
